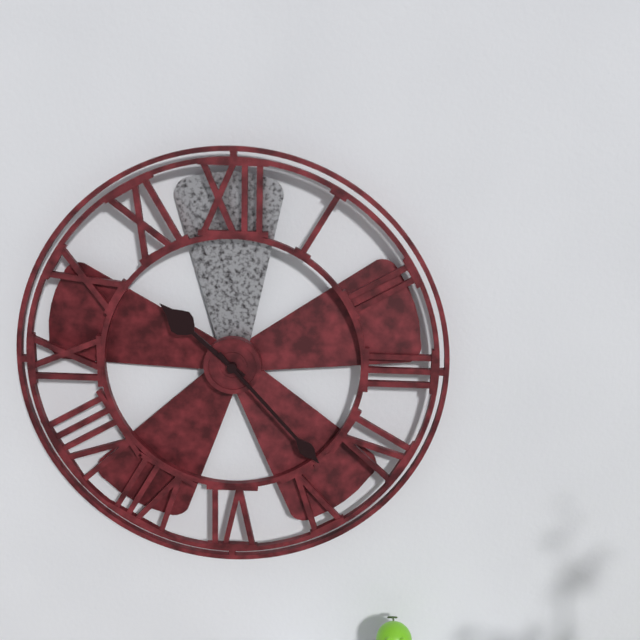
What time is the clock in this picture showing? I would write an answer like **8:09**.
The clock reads **10:23**
